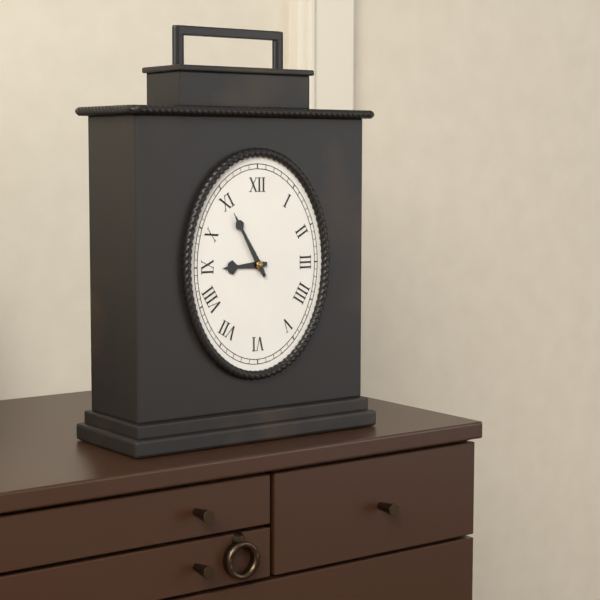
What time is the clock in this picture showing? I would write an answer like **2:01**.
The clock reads **8:55**
